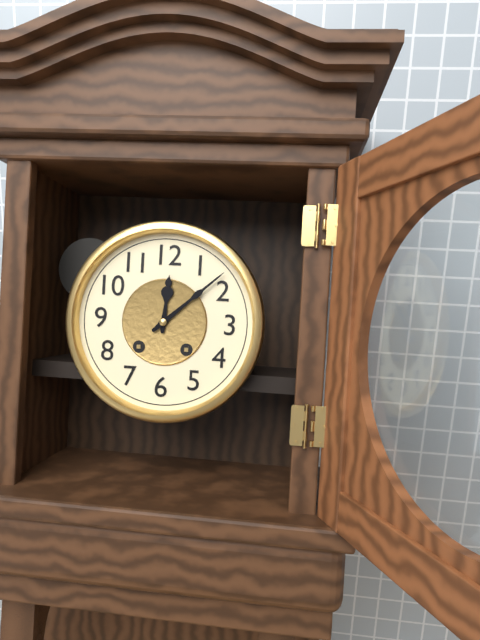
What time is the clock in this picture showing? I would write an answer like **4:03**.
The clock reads **12:08**
